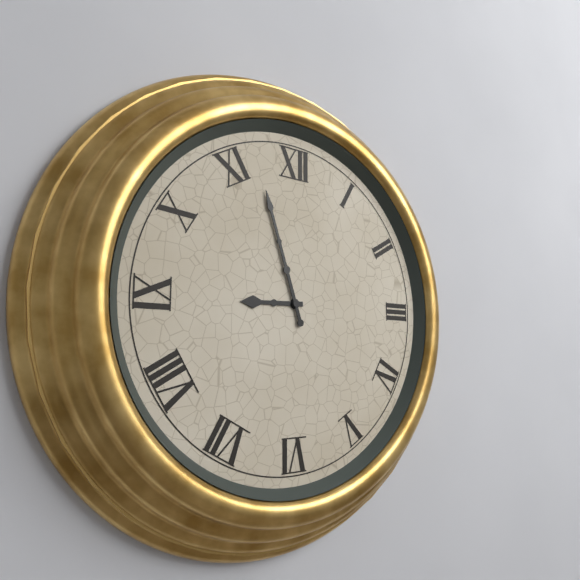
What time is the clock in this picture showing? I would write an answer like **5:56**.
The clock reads **8:57**
